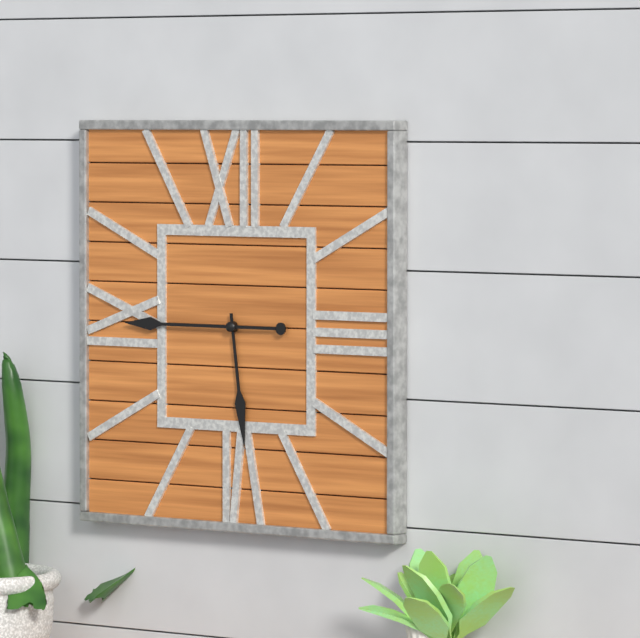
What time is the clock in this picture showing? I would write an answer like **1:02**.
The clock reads **5:45**
